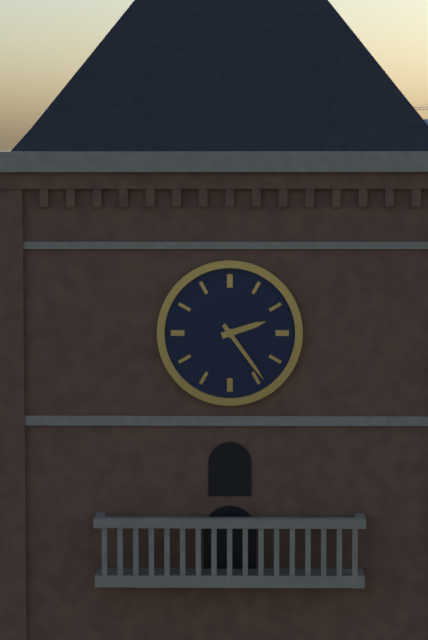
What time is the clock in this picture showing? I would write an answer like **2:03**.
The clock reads **2:24**
